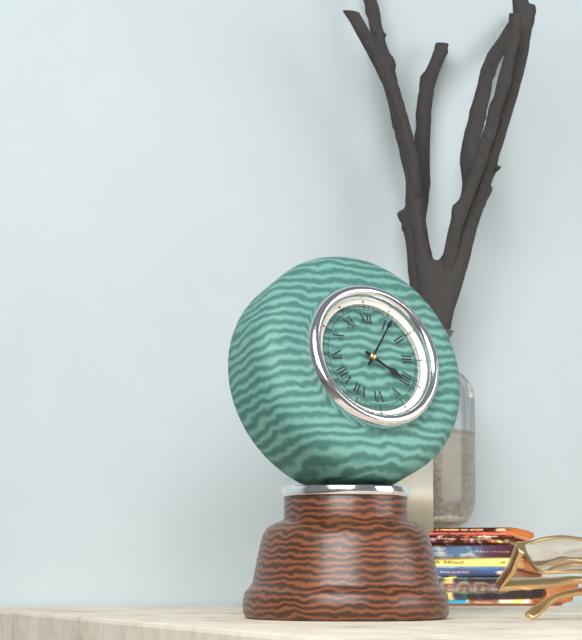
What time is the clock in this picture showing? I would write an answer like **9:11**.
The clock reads **4:06**
